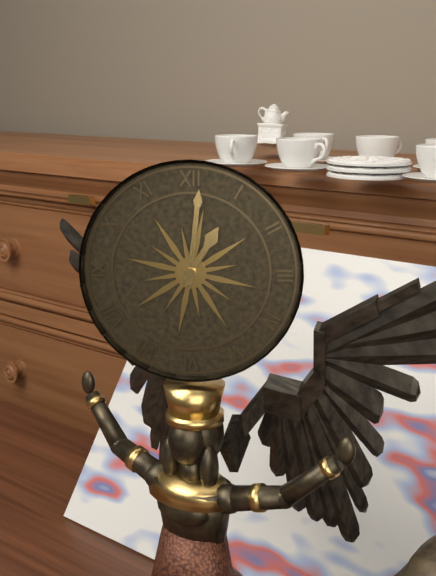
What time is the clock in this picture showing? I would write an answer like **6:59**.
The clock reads **1:01**
